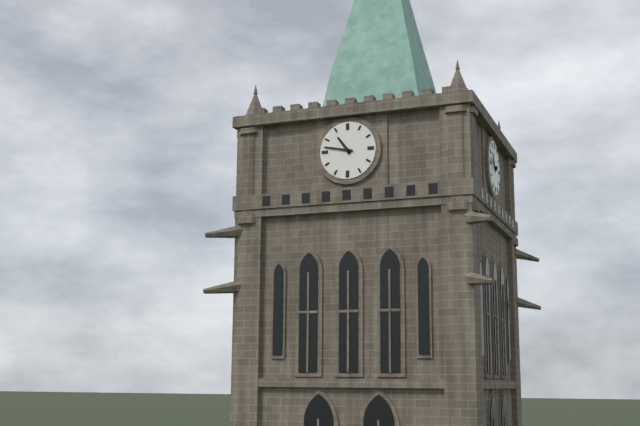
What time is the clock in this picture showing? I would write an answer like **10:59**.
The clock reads **10:47**
